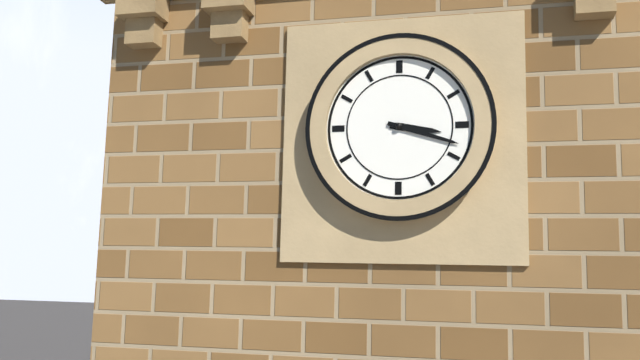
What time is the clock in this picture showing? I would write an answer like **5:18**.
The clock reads **3:18**
